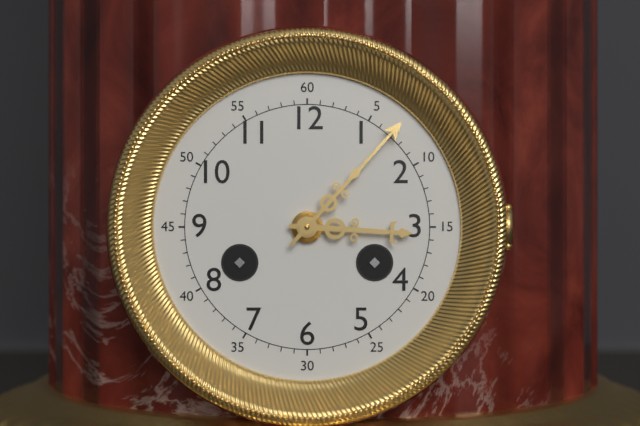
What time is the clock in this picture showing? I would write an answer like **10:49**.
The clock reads **3:07**
